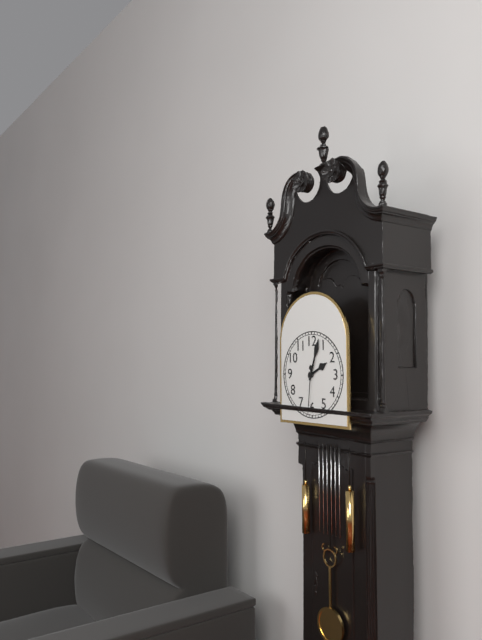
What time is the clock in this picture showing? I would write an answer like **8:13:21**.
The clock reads **2:03:31**
